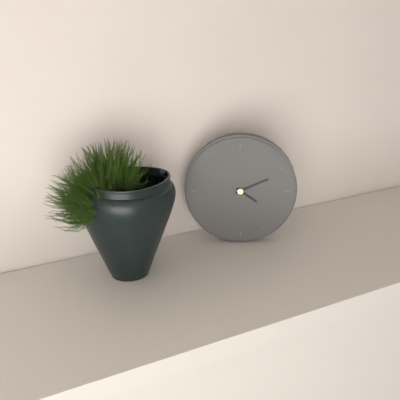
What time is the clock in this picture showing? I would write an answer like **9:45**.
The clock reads **4:11**
